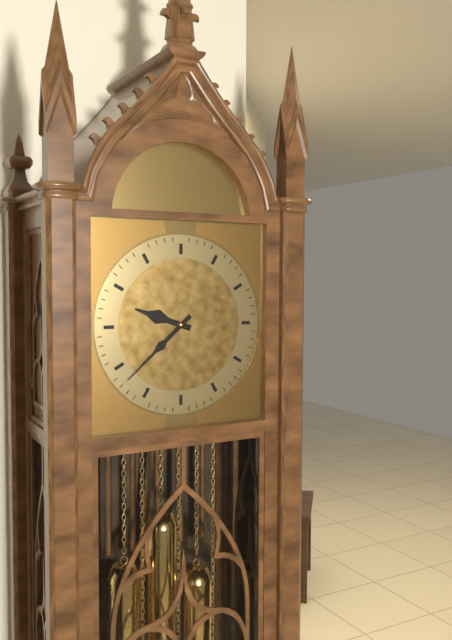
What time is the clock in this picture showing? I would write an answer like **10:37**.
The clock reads **9:38**
